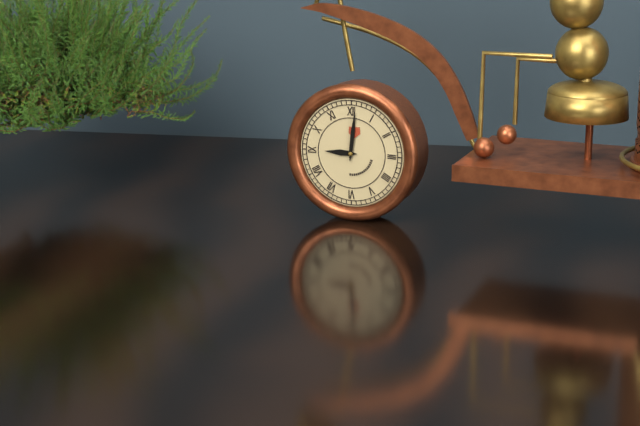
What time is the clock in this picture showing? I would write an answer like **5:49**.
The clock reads **9:01**
